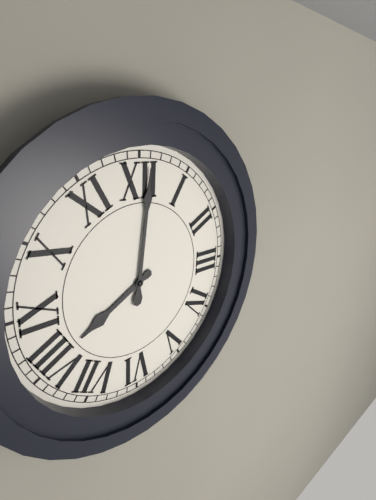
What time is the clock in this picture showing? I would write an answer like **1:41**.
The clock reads **8:01**
